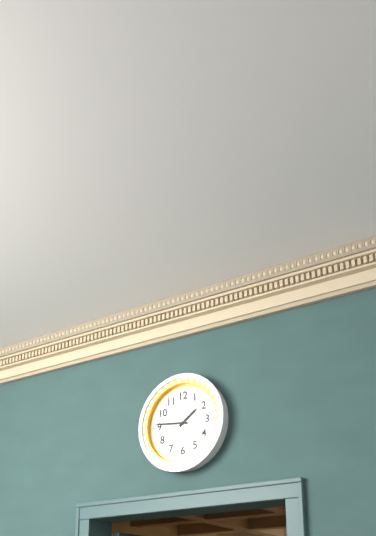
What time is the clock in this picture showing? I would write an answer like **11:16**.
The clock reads **1:46**
